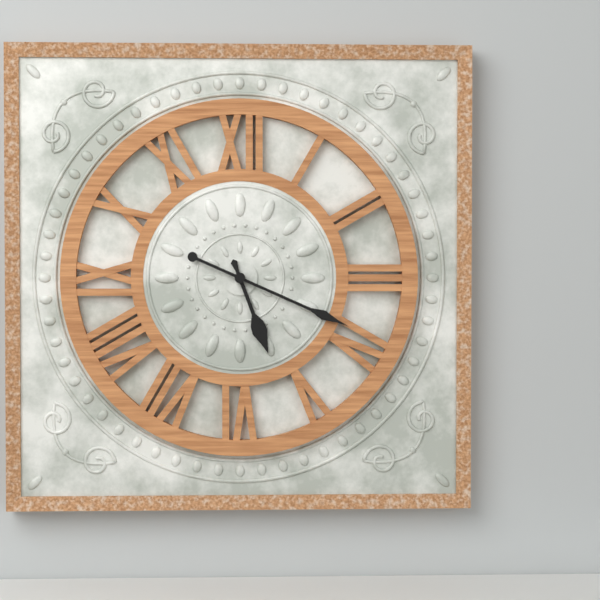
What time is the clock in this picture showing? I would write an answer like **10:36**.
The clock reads **5:19**
